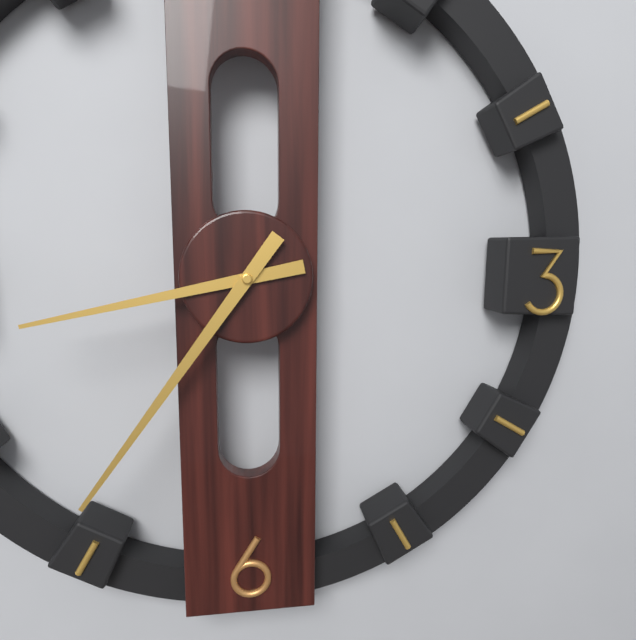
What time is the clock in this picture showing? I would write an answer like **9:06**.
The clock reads **8:36**
